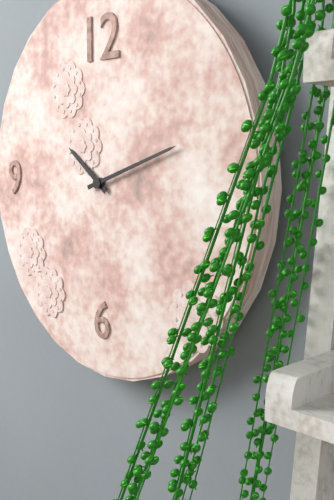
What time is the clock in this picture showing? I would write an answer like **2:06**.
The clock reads **10:12**
